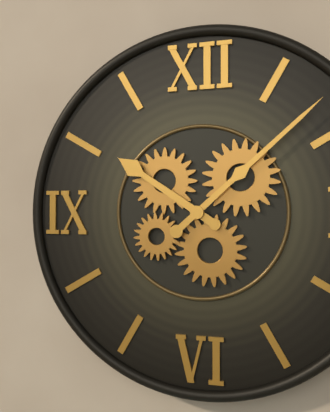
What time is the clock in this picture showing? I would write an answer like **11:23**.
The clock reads **10:08**
